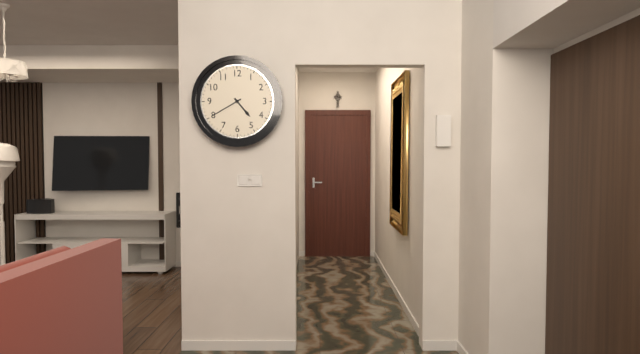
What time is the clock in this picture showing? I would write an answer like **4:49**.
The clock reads **4:40**
